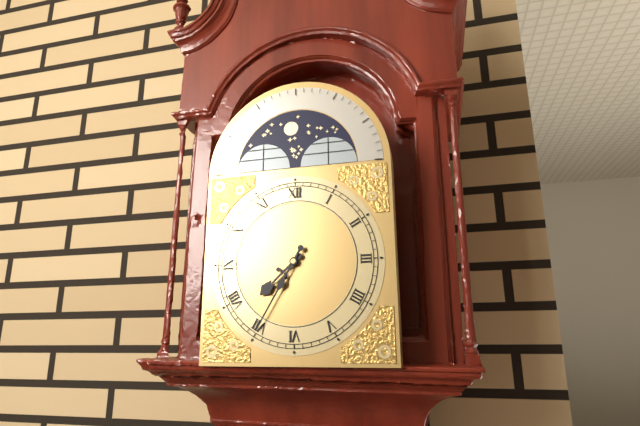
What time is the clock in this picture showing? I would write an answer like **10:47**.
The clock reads **7:35**
